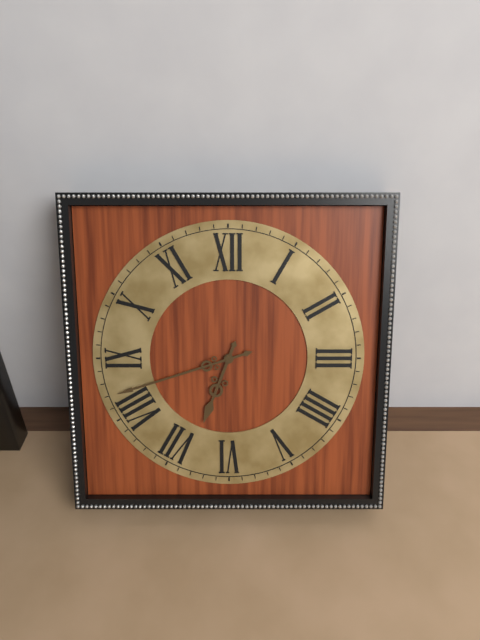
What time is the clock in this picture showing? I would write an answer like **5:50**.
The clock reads **6:42**
